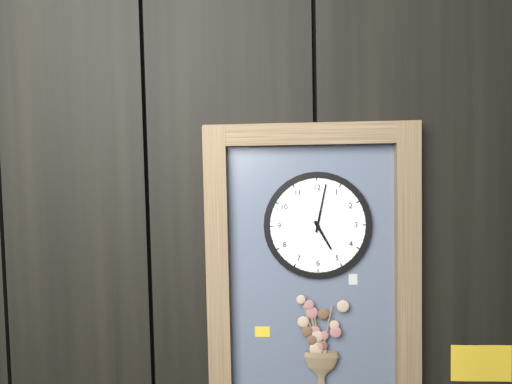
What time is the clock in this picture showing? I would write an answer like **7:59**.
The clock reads **5:02**
